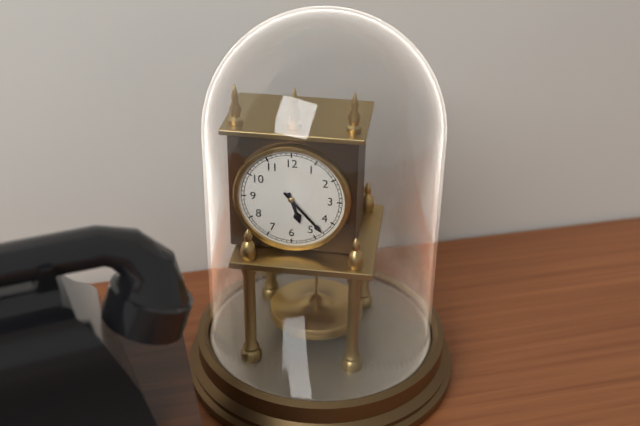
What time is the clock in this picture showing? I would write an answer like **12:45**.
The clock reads **5:23**
